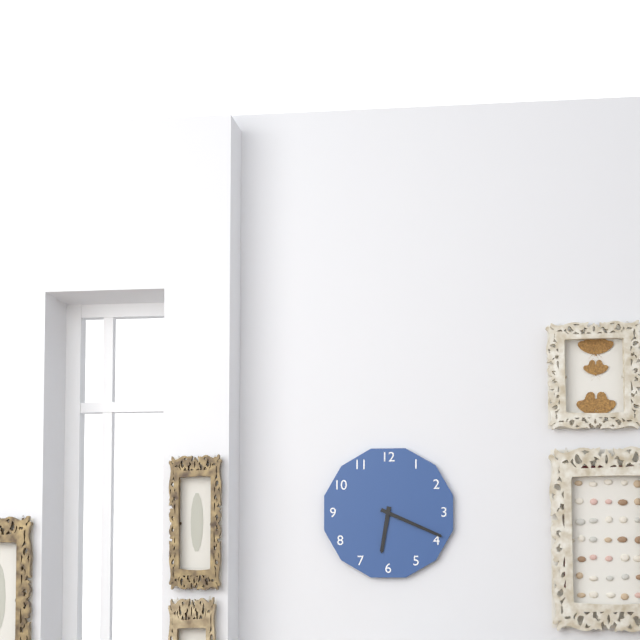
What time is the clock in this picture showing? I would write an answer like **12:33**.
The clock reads **6:19**
